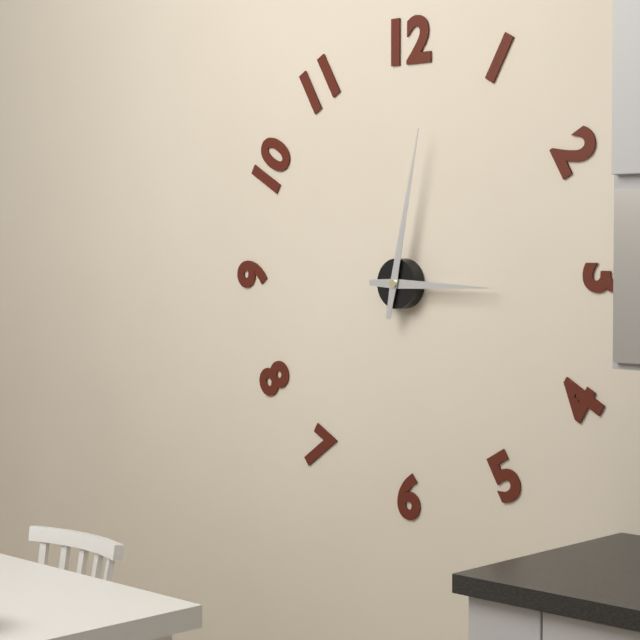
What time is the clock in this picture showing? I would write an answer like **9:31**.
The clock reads **3:02**
